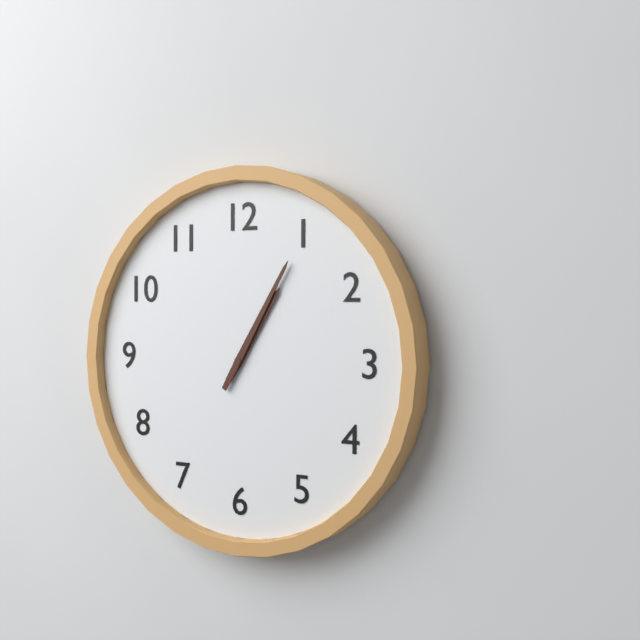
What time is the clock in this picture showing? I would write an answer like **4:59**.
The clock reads **1:05**
